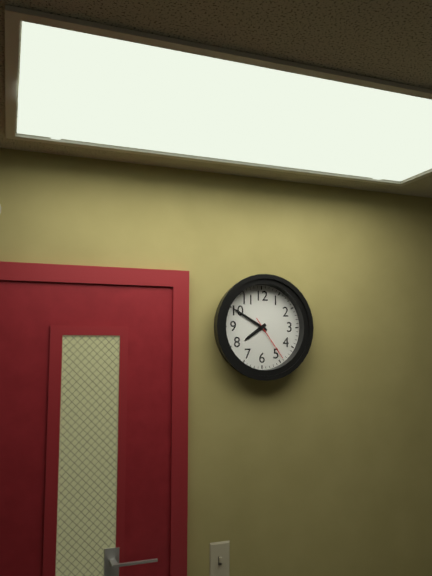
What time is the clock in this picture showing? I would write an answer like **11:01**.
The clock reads **7:50**
